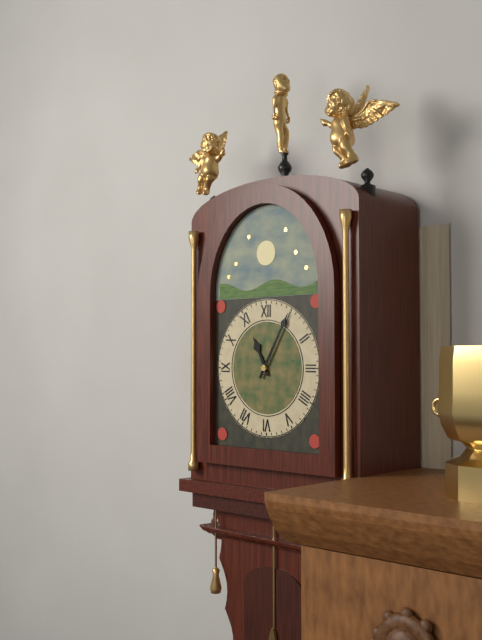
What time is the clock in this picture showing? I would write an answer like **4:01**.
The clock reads **11:05**
